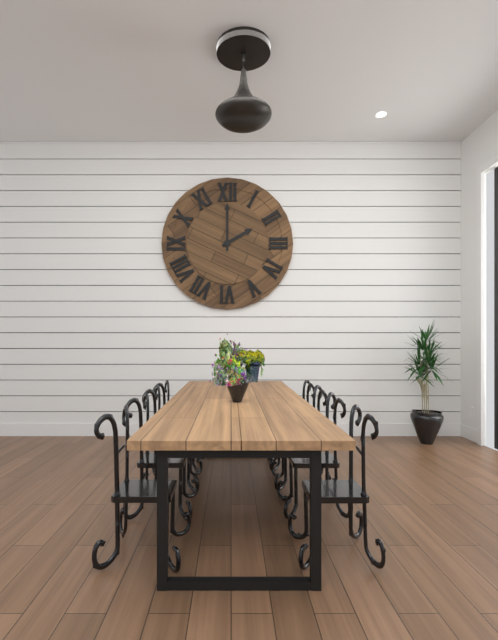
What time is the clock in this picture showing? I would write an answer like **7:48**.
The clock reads **2:00**
